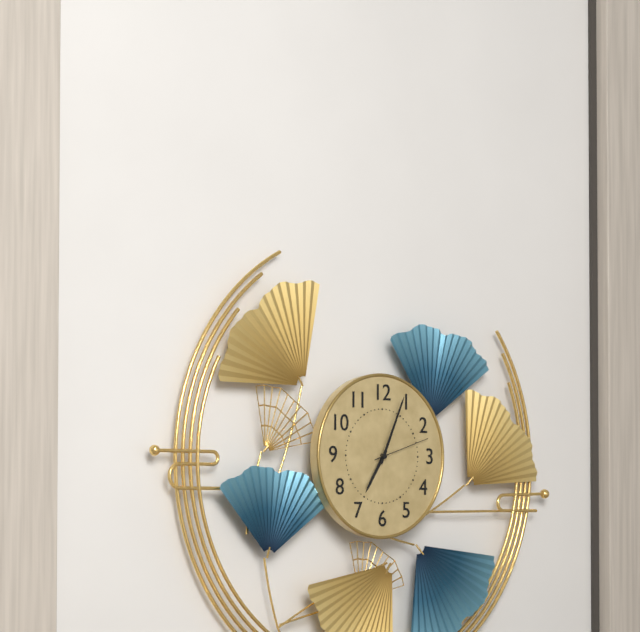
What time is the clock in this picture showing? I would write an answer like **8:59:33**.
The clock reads **7:04:12**
